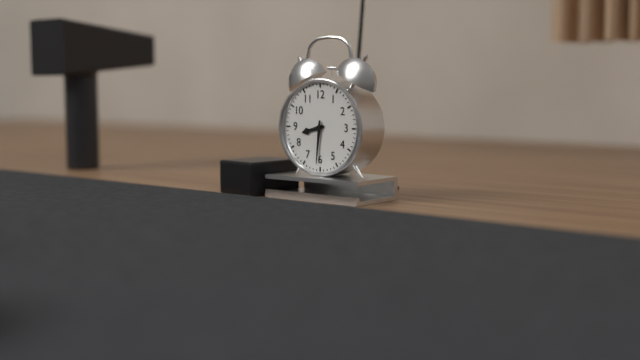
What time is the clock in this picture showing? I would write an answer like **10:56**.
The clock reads **8:31**
